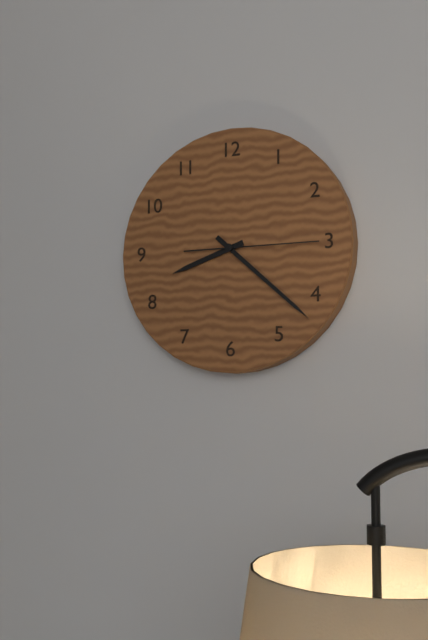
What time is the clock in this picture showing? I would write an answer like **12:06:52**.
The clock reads **8:22:15**
